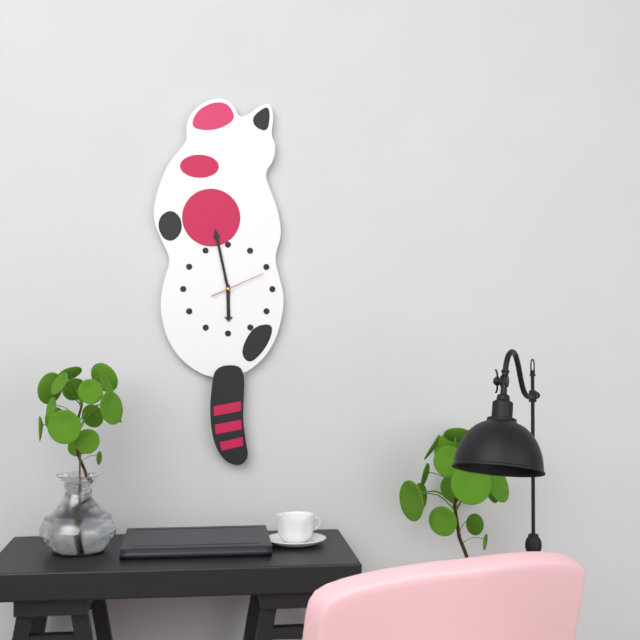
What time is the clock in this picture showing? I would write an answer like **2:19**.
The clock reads **5:58**
